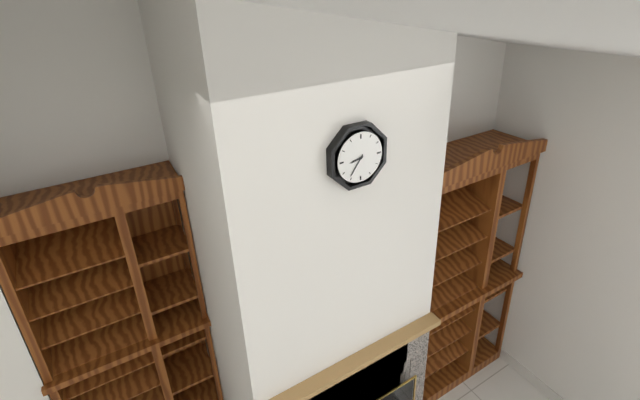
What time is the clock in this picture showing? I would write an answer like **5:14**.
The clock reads **8:36**
